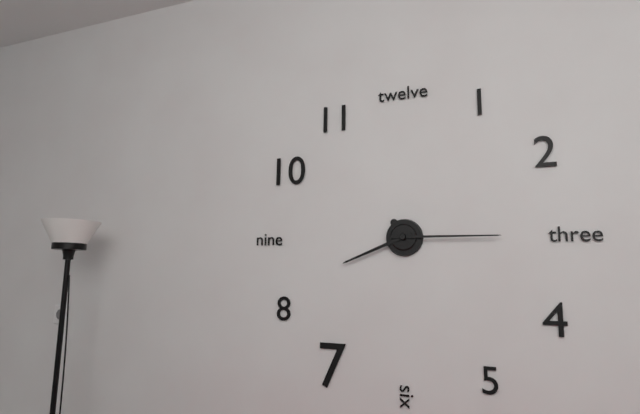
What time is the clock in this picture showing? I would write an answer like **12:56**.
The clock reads **8:15**
